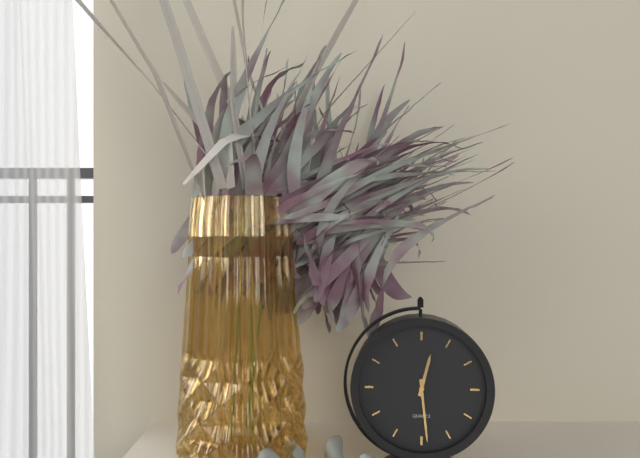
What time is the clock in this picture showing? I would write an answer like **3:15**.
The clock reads **12:29**
